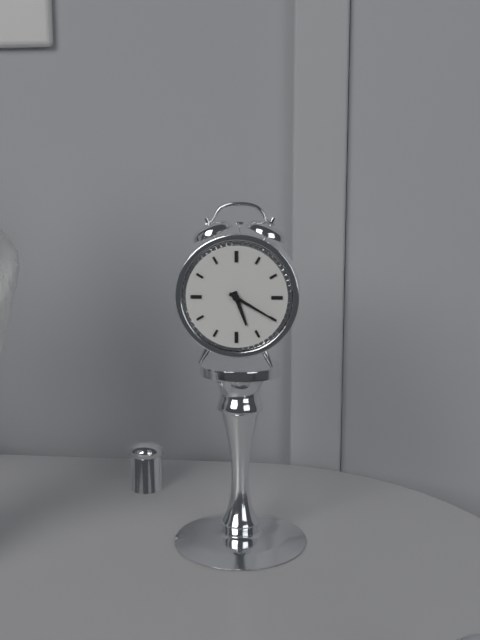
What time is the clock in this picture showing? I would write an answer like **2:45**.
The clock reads **5:20**
